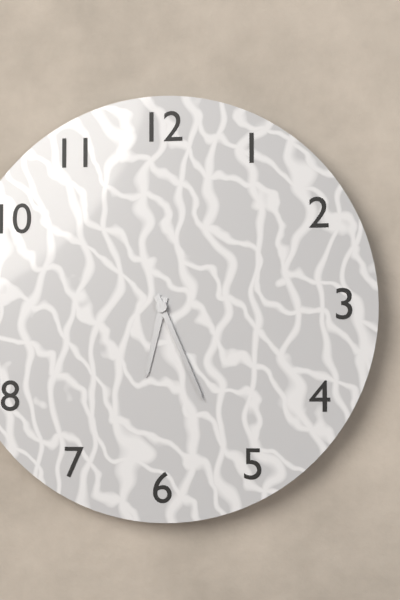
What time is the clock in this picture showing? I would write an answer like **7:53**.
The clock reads **6:26**
